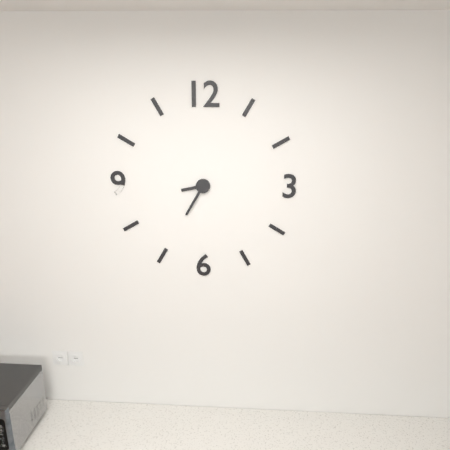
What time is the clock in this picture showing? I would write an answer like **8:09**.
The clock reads **8:35**
